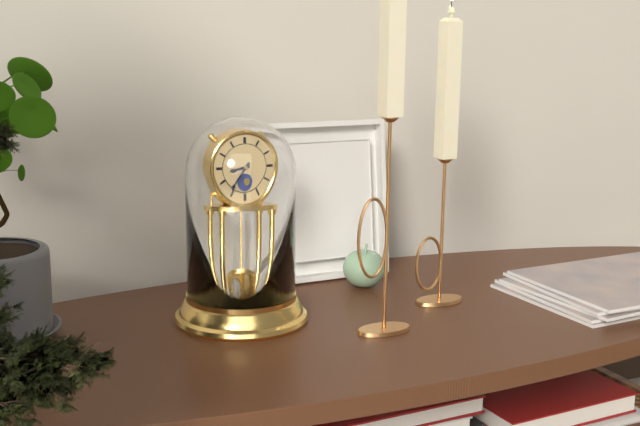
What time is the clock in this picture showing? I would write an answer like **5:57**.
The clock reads **8:36**
